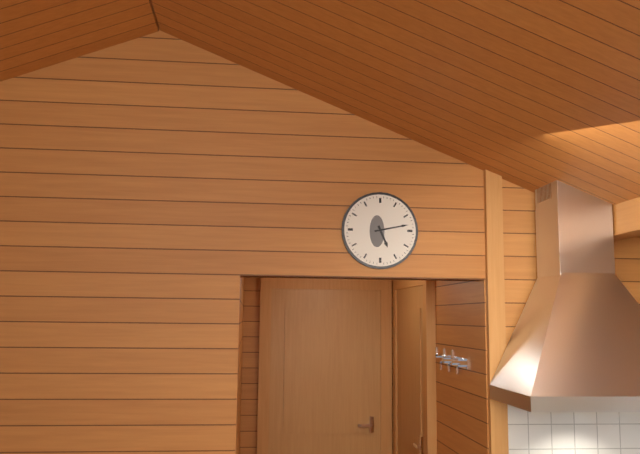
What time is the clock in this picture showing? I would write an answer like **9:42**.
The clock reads **5:13**
